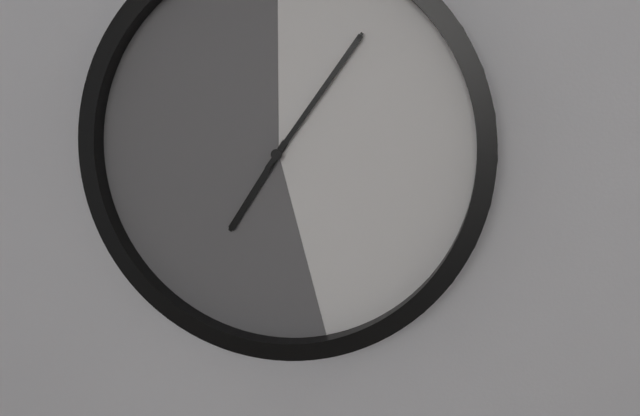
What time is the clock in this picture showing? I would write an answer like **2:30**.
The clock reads **7:06**
